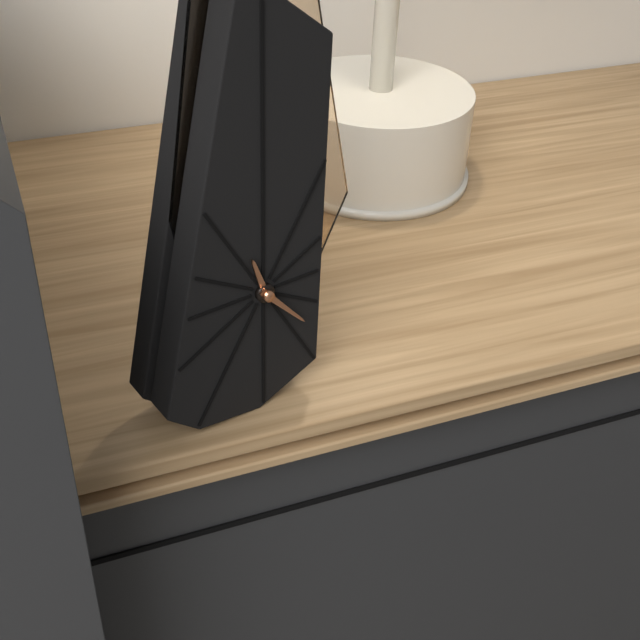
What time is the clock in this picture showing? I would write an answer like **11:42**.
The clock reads **11:23**
